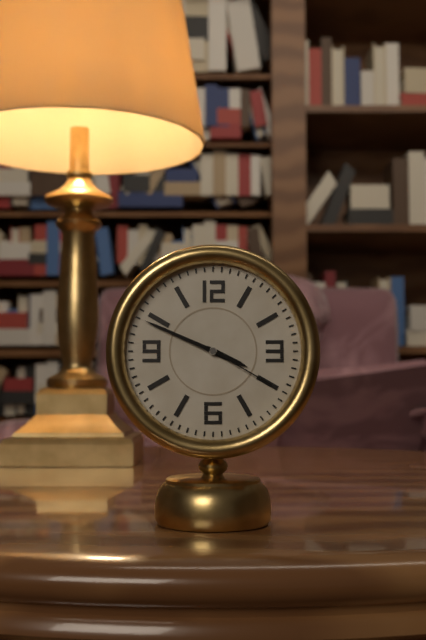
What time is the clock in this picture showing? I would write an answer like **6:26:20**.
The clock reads **3:49:20**
